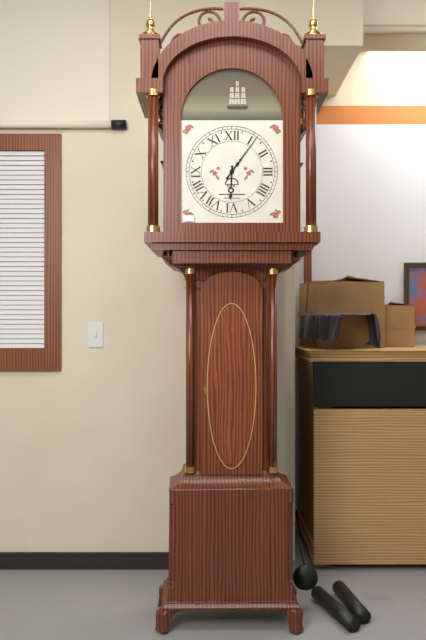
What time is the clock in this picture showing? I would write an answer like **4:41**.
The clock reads **6:06**
